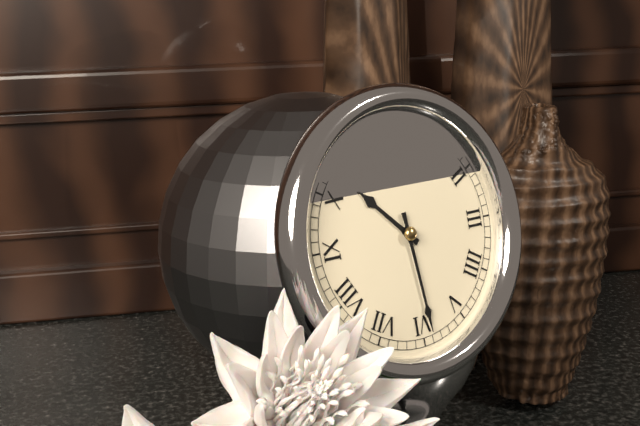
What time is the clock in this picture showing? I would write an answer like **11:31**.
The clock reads **10:29**
